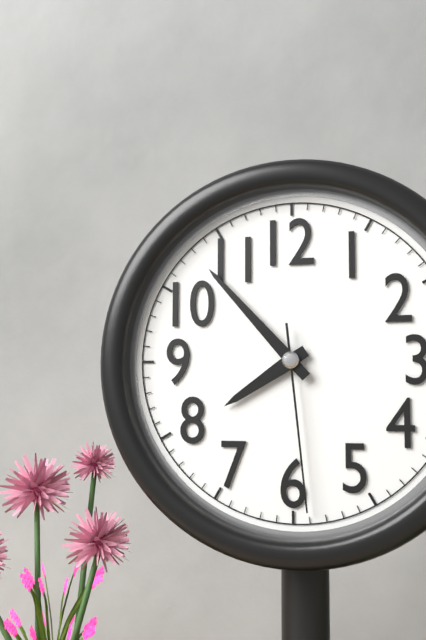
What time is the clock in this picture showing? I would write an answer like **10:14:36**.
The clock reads **7:53:29**
